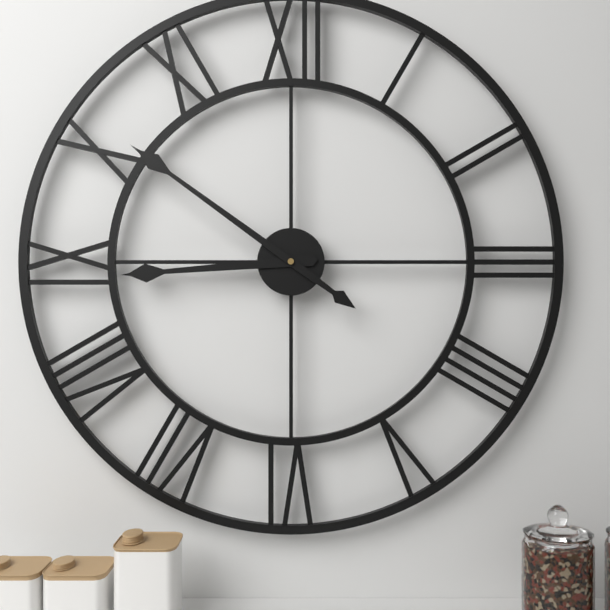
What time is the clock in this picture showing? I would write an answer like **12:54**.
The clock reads **8:51**
